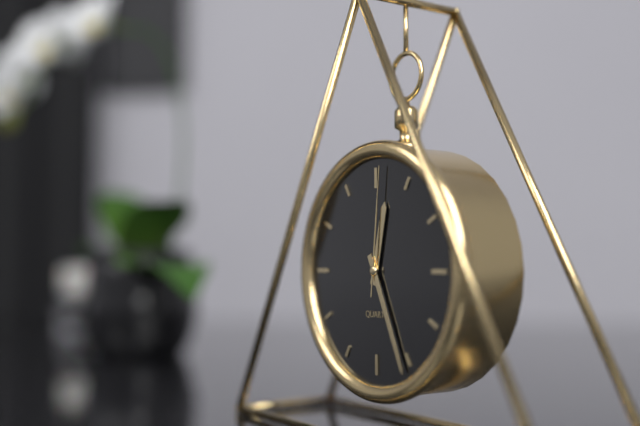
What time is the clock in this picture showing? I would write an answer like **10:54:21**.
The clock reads **12:26:01**
